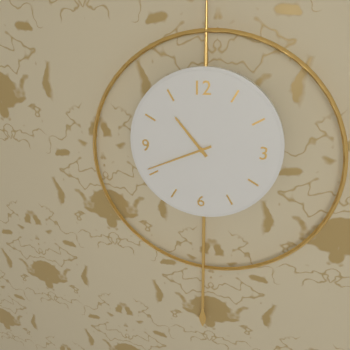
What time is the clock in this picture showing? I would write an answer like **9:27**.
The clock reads **10:41**
